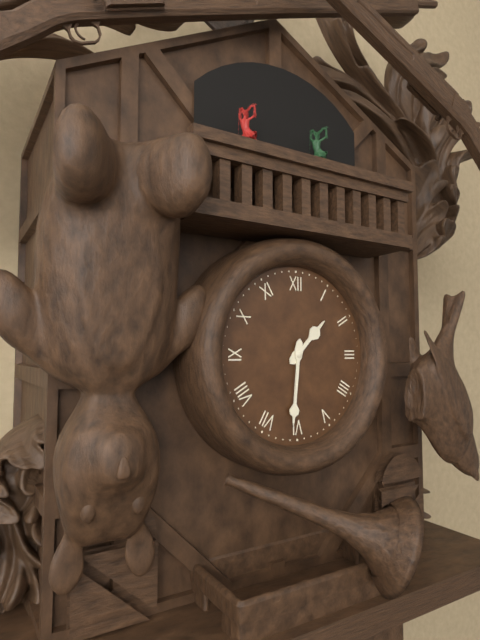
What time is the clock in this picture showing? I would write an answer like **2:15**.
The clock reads **1:31**
